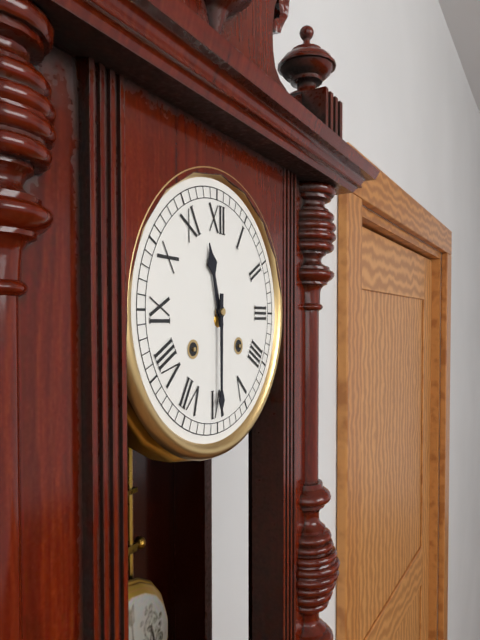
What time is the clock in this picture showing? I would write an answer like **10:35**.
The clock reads **11:30**
